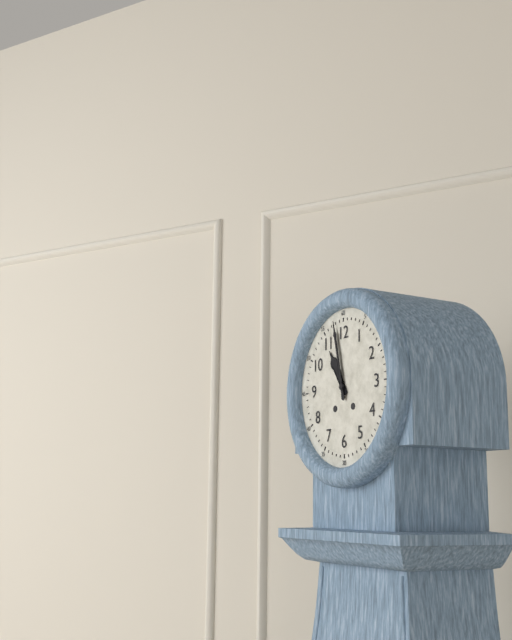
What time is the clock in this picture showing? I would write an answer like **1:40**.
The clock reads **10:58**
